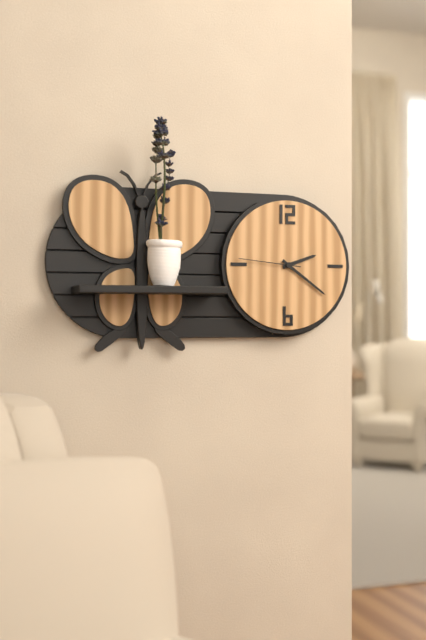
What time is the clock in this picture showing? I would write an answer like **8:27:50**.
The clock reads **2:21:46**
